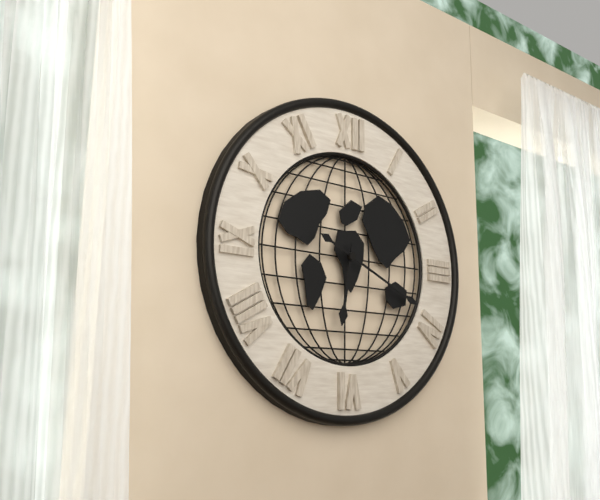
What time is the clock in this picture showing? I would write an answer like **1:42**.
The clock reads **6:19**
